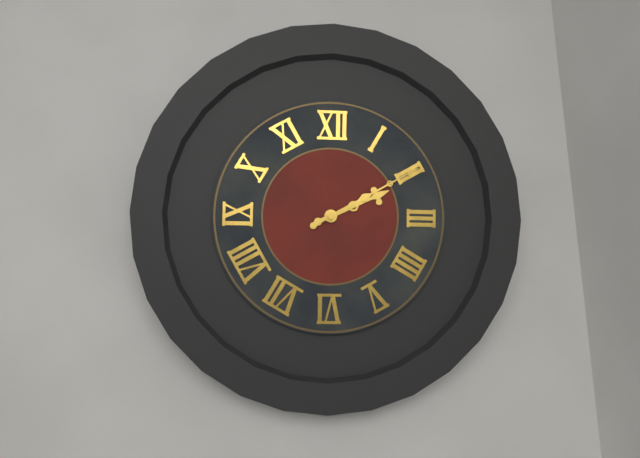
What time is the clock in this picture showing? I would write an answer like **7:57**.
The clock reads **2:10**
